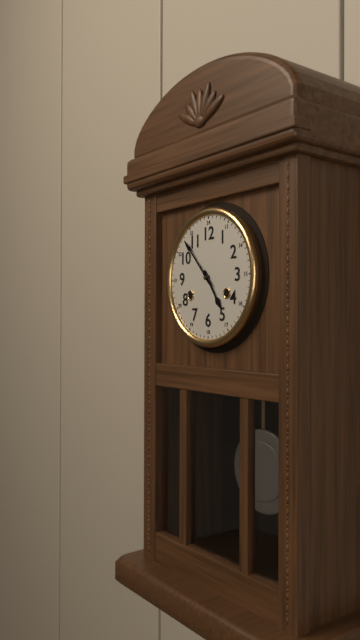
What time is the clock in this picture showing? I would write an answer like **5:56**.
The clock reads **4:53**
